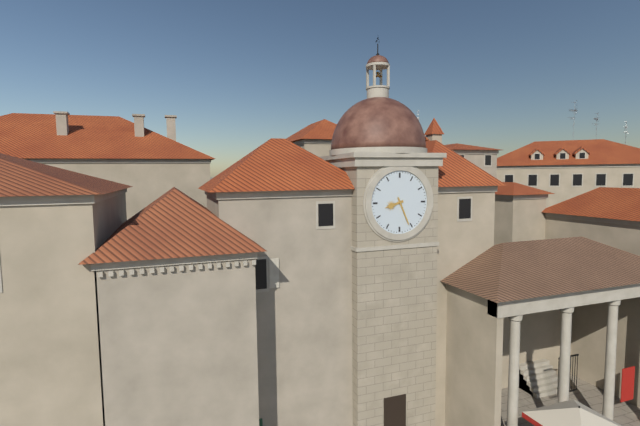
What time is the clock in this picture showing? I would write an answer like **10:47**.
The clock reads **8:26**
